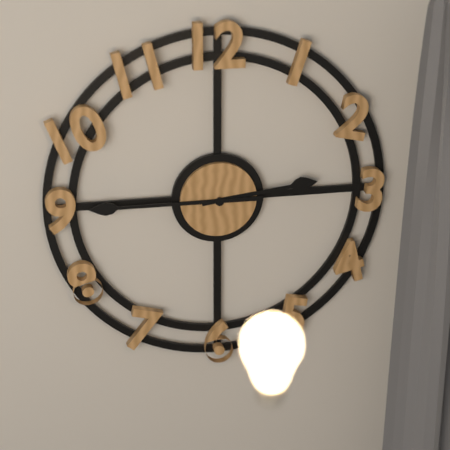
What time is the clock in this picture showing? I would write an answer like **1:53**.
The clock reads **2:45**
